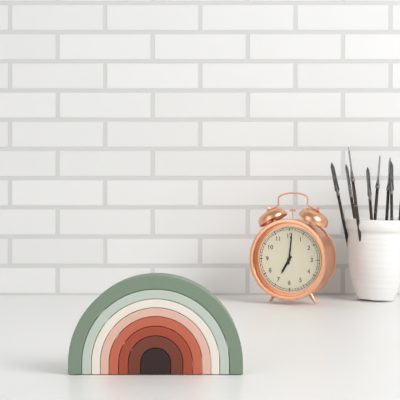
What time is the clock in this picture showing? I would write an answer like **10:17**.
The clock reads **7:01**
